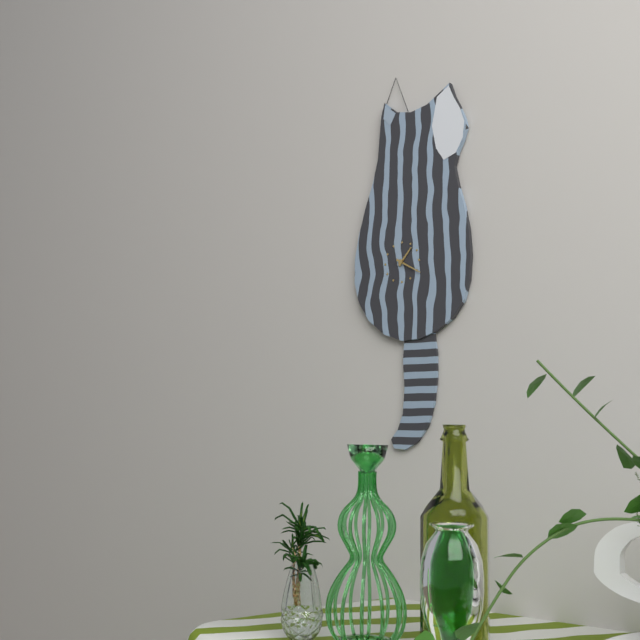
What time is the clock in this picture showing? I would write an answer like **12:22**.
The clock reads **1:20**
